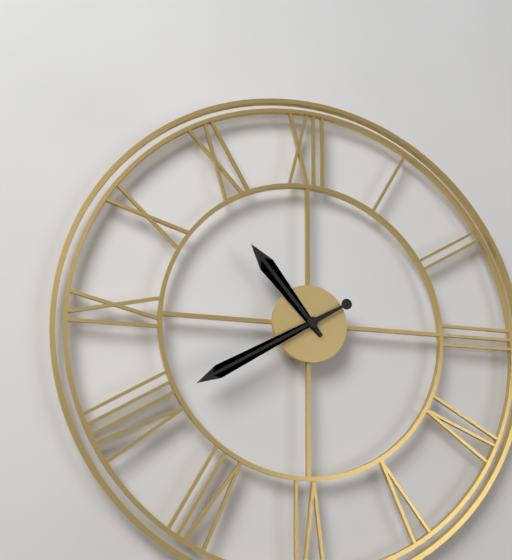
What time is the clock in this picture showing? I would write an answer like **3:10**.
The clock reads **10:40**
